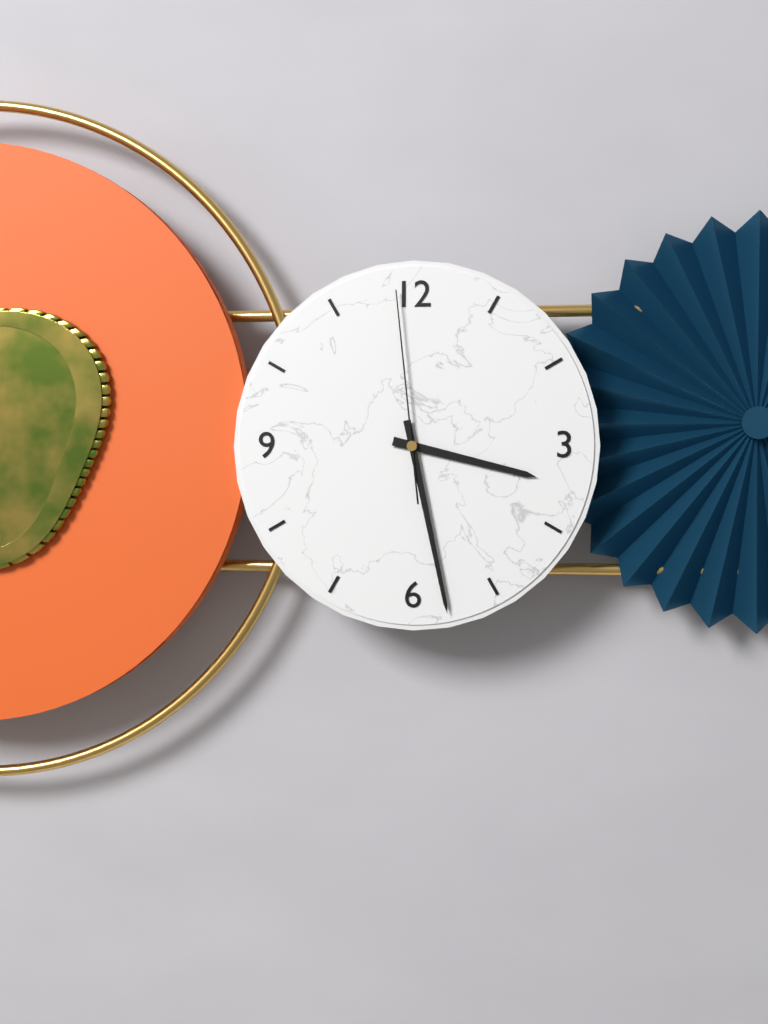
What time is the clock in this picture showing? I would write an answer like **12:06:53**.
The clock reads **3:28:59**
